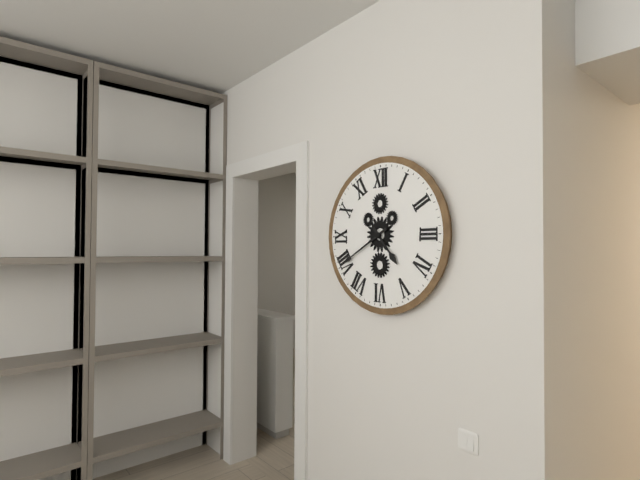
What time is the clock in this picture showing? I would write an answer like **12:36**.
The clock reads **4:40**
